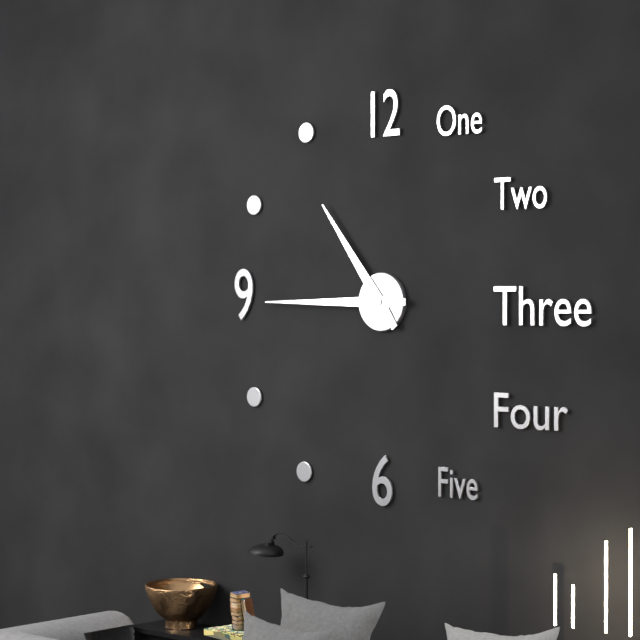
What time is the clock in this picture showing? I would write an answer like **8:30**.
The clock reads **10:45**
